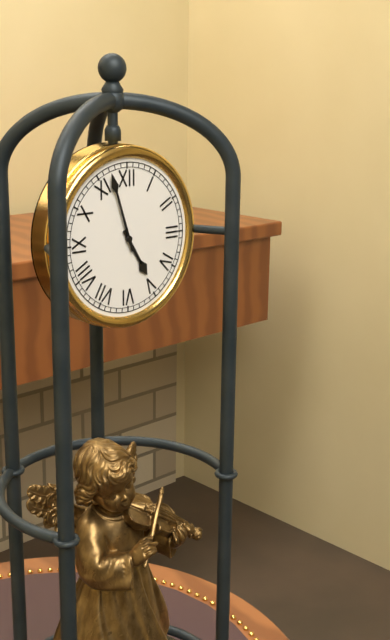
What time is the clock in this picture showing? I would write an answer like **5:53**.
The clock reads **4:57**
